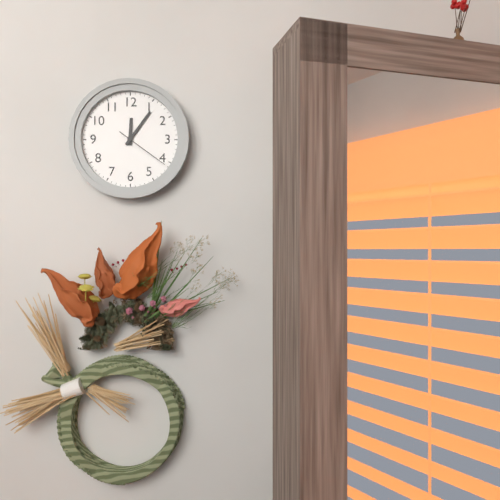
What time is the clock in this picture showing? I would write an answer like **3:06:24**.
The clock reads **12:06:21**
